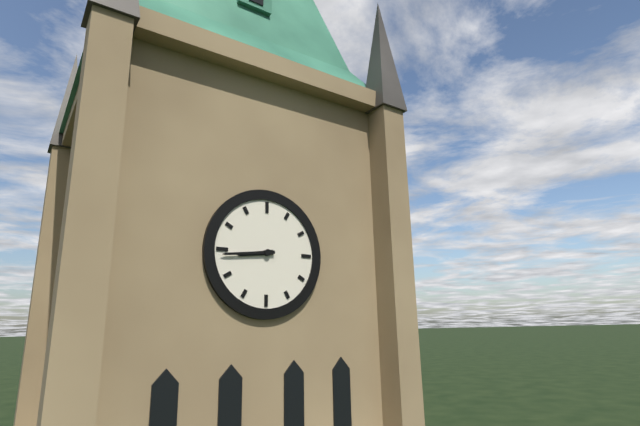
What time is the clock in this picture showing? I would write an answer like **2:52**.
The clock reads **8:44**
